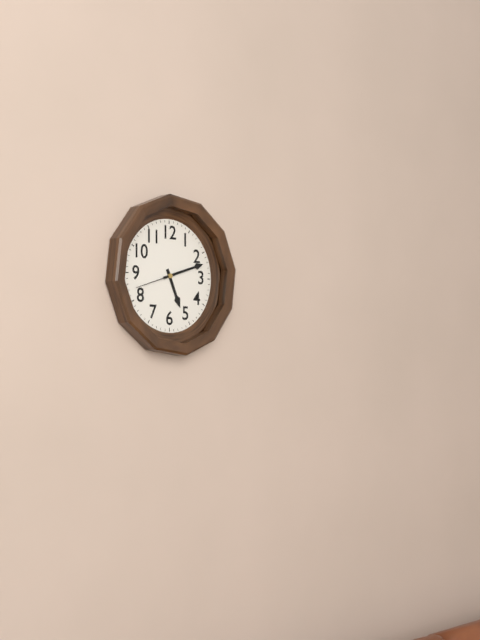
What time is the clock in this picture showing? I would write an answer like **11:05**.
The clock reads **5:12**
